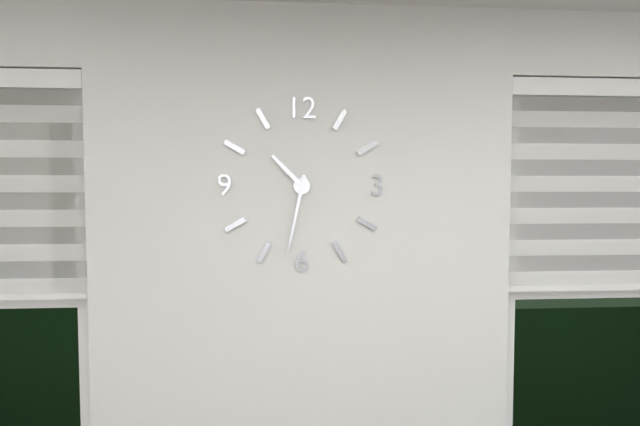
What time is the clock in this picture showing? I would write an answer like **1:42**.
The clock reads **10:32**
